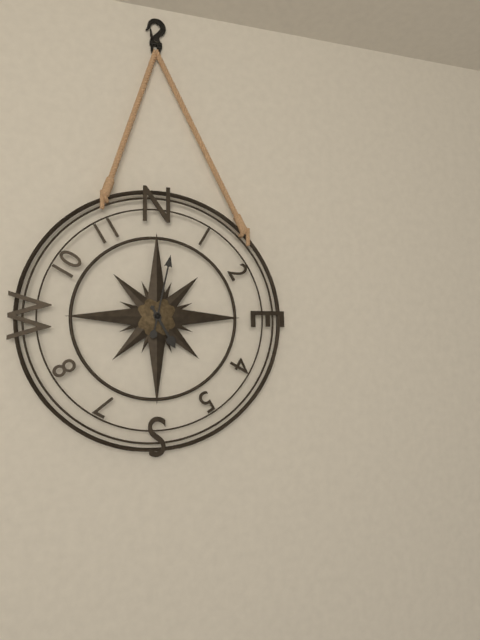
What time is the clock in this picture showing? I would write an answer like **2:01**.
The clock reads **5:02**
